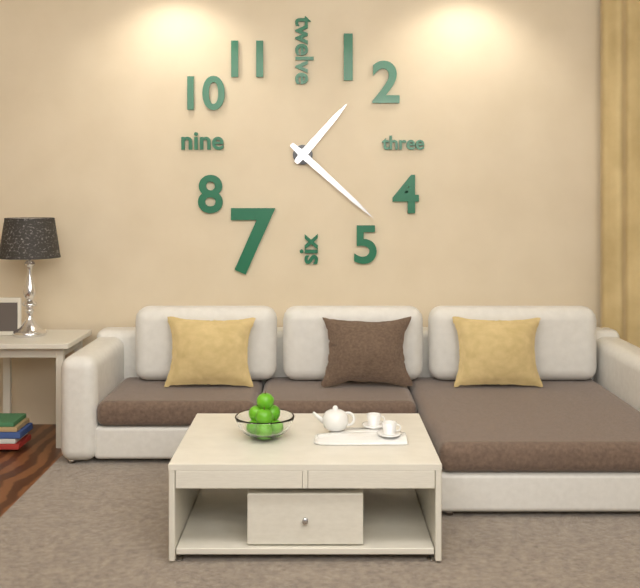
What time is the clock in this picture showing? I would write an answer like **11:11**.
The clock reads **1:22**
